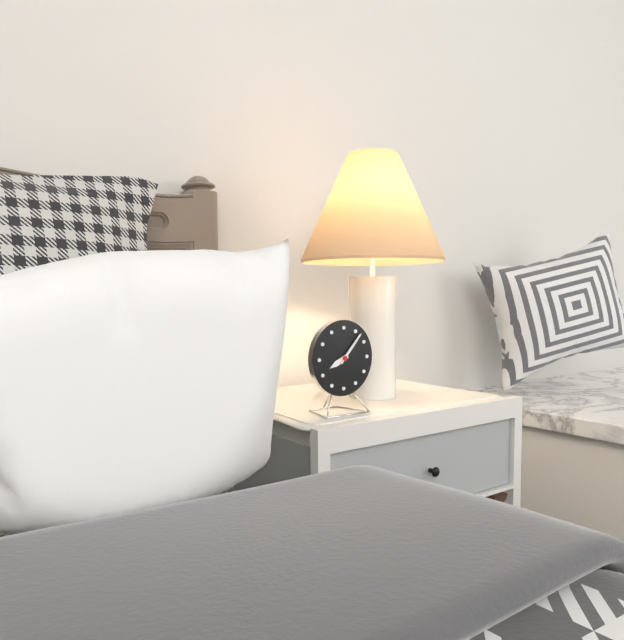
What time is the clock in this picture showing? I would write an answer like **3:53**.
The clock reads **8:07**
